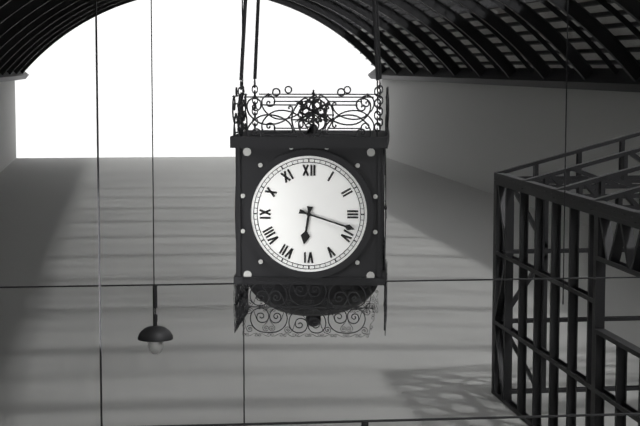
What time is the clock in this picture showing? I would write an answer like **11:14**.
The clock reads **6:18**
